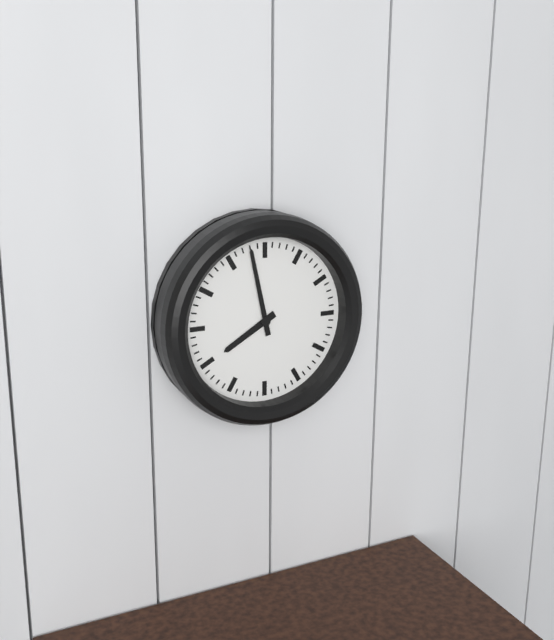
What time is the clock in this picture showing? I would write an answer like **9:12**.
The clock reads **7:58**
